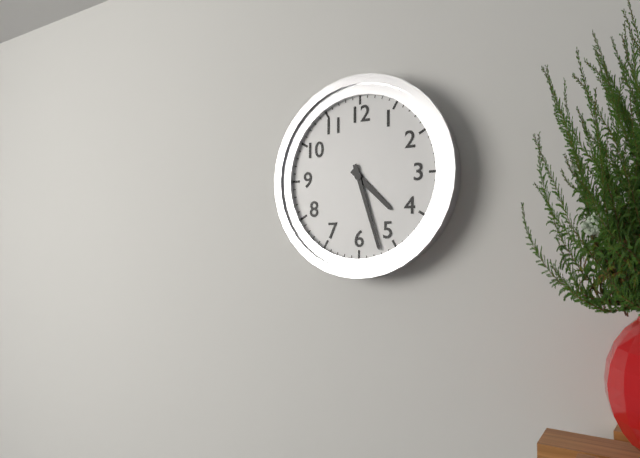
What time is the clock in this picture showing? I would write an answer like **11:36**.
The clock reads **4:27**
